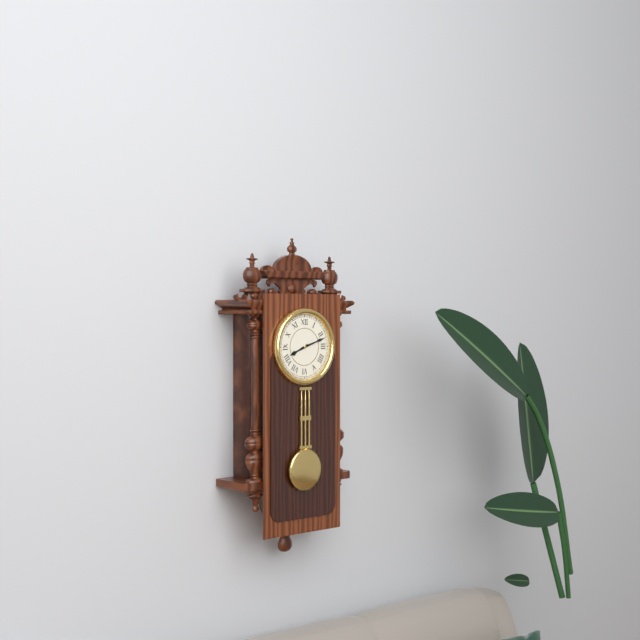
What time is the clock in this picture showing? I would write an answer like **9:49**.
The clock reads **8:12**
